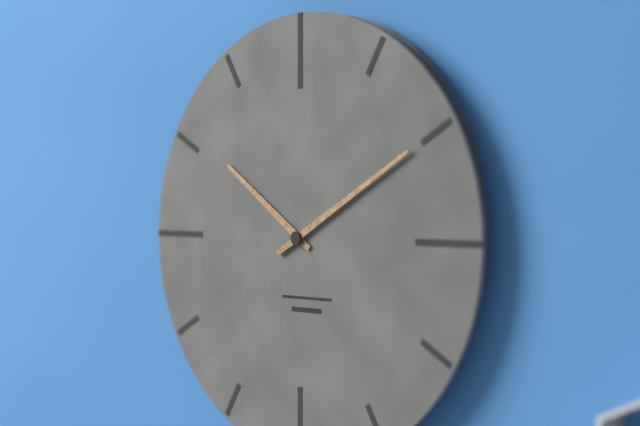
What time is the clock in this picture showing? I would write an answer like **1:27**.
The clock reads **10:10**
